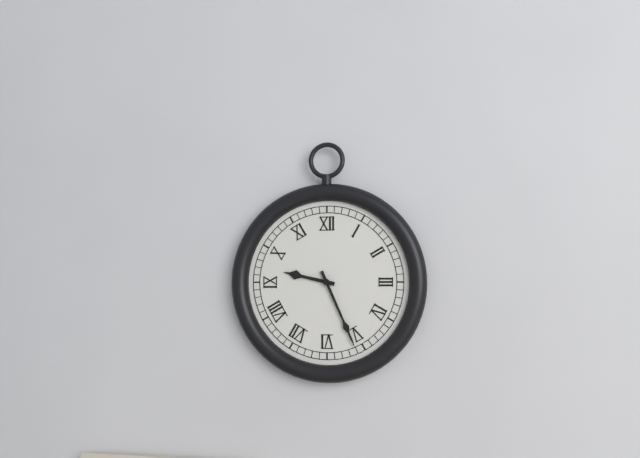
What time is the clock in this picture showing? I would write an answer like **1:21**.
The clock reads **9:26**
